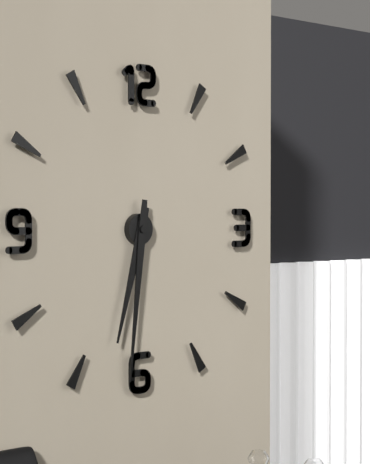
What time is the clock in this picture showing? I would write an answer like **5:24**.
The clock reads **6:31**
